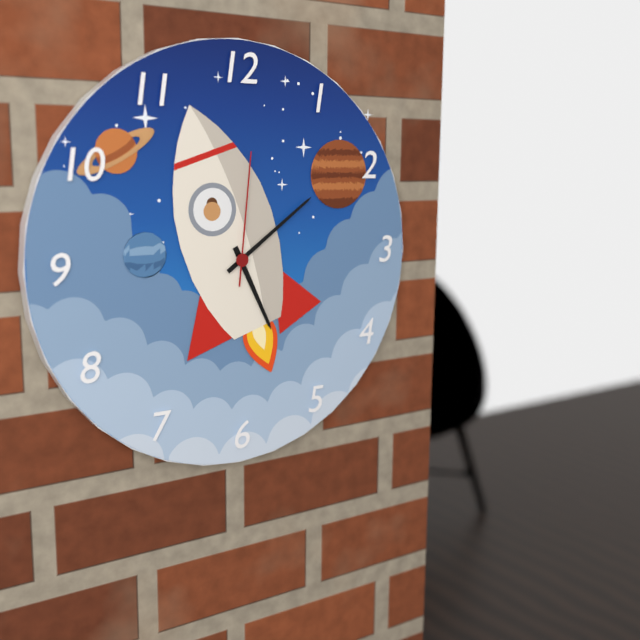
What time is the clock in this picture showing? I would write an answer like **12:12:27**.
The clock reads **5:09:01**
